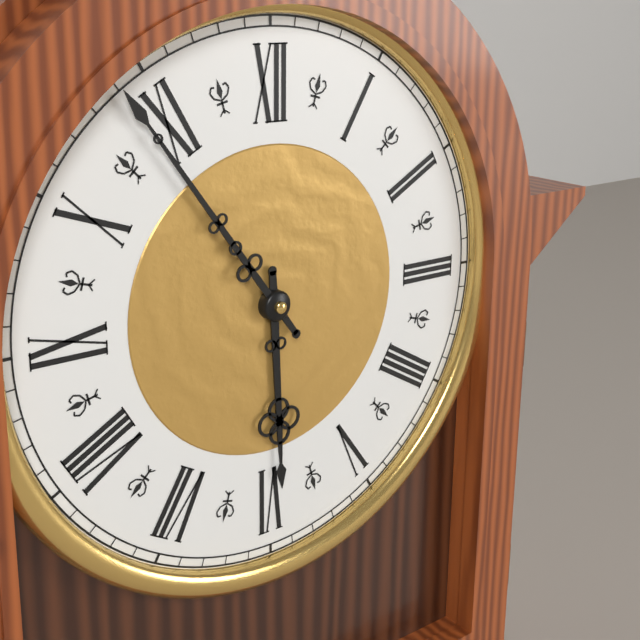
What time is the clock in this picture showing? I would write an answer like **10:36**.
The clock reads **5:54**
